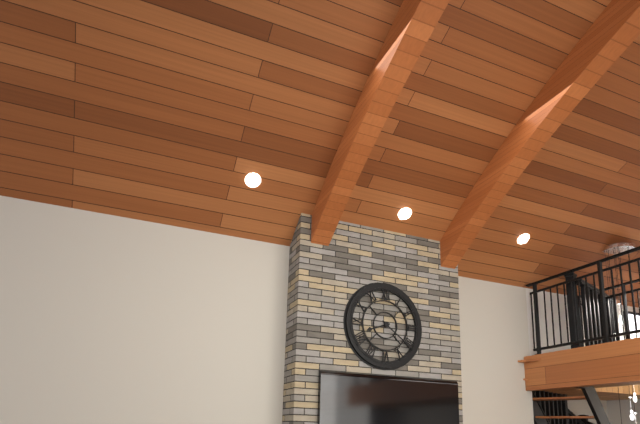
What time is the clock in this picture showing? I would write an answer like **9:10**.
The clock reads **8:21**
